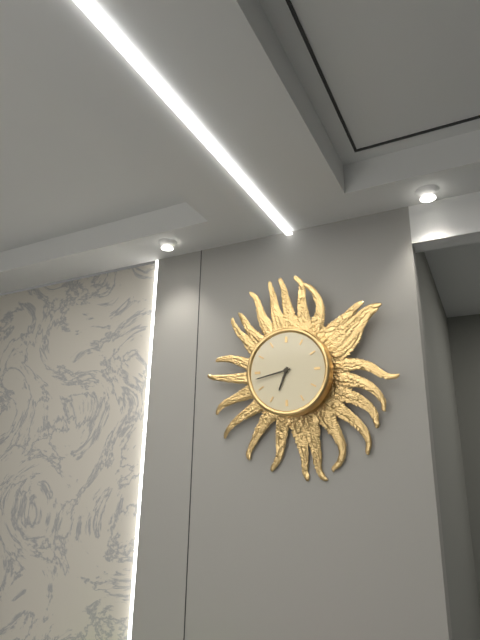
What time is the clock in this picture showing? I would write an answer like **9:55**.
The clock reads **6:43**
